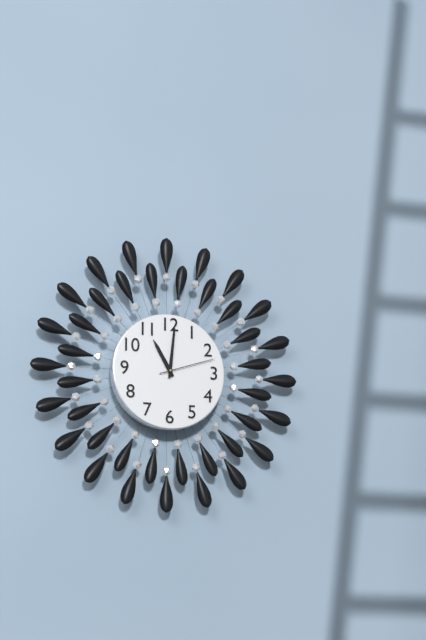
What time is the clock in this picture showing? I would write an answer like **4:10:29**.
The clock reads **11:01:12**
